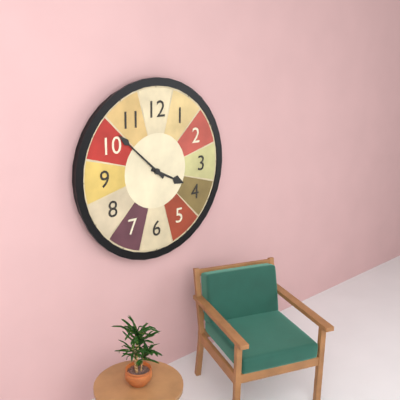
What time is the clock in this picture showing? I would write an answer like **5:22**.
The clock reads **3:52**
